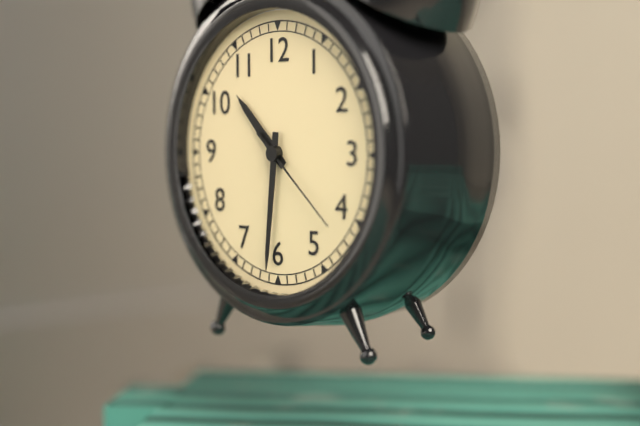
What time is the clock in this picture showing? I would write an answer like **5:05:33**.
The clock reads **10:31:22**
